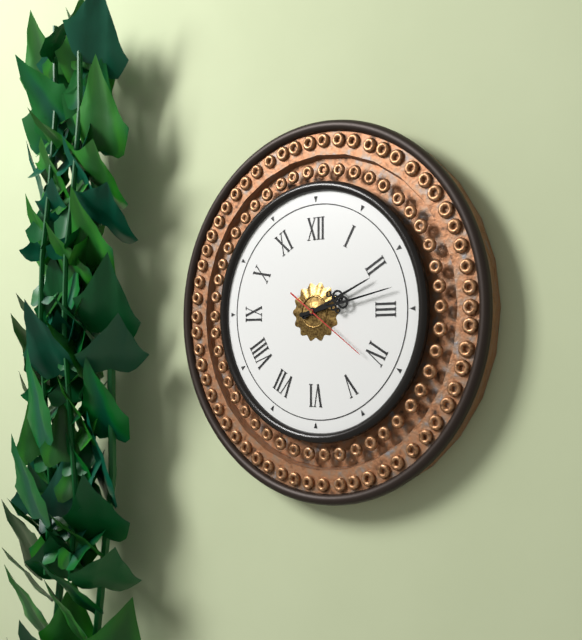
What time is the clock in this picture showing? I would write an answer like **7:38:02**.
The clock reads **2:13:21**
